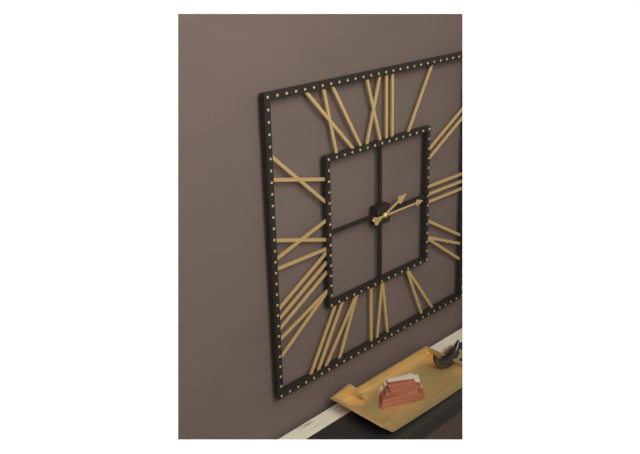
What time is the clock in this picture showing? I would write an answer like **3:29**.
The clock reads **2:15**
